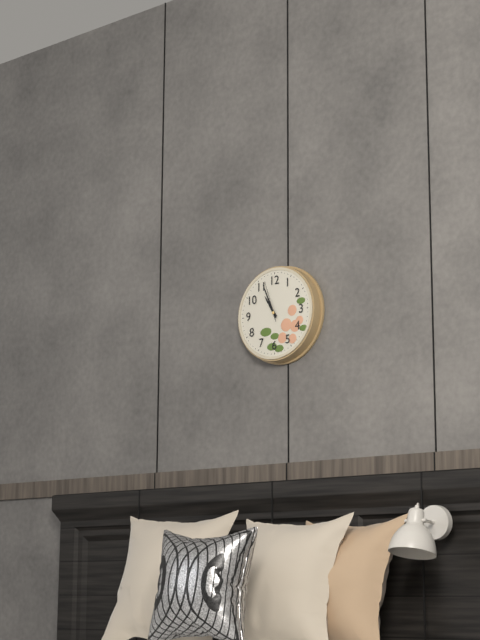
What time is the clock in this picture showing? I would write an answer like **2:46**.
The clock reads **10:56**
